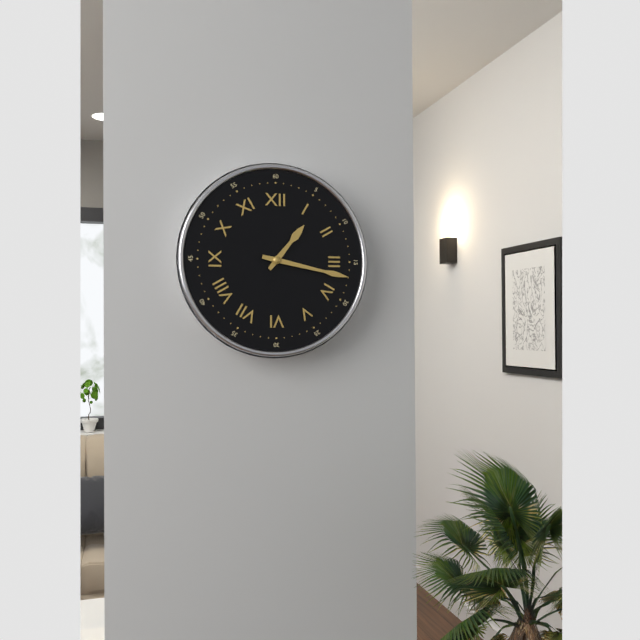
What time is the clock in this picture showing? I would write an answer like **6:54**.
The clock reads **1:17**
